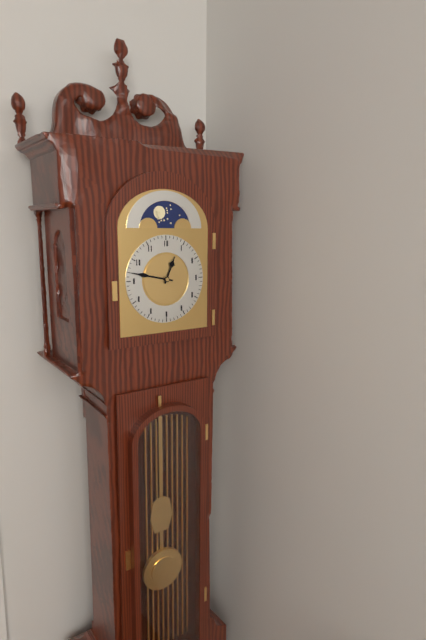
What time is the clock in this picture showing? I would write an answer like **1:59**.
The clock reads **12:47**
